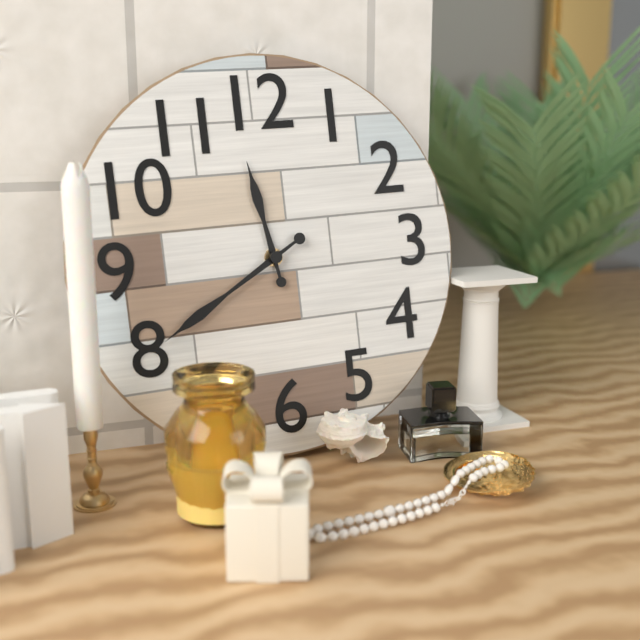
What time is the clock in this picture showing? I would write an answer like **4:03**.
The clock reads **11:40**
